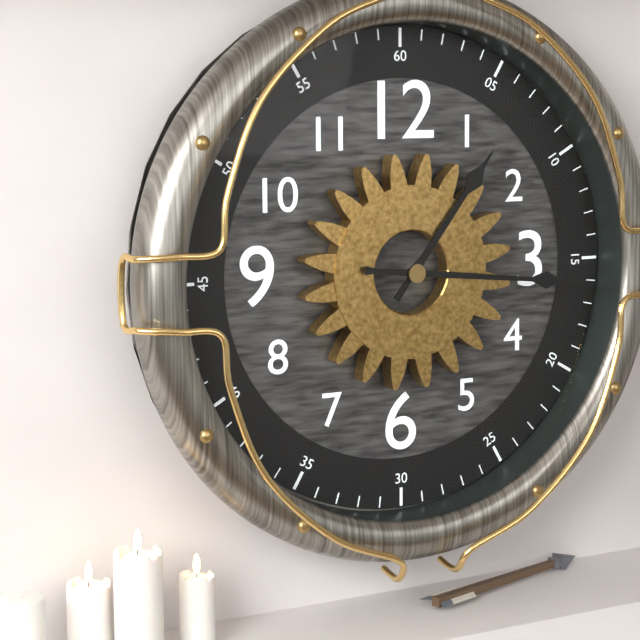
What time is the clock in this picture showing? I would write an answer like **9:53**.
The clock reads **1:16**
